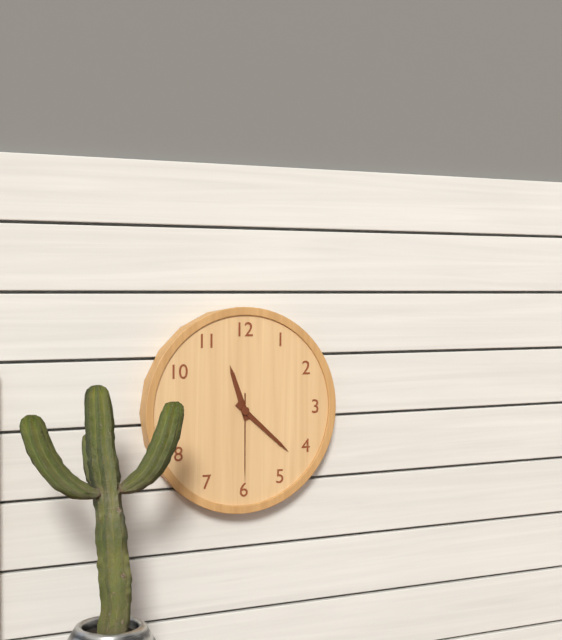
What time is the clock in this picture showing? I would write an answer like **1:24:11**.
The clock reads **11:22:30**
